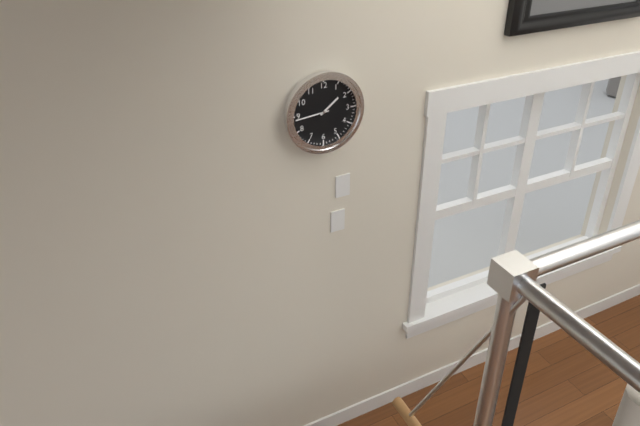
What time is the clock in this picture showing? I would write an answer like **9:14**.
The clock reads **1:44**
